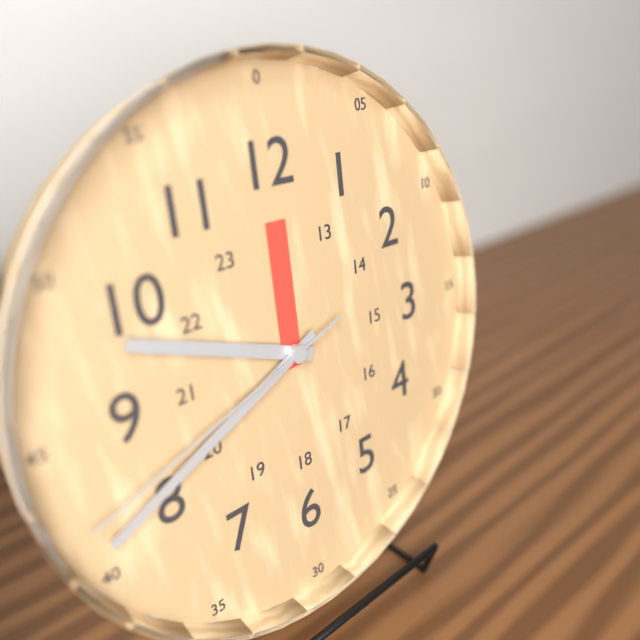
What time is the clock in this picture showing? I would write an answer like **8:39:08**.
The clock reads **9:41:42**
